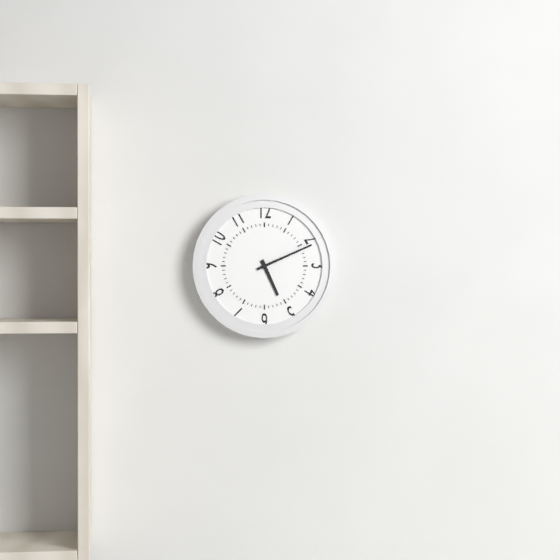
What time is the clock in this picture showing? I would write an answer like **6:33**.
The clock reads **5:11**
